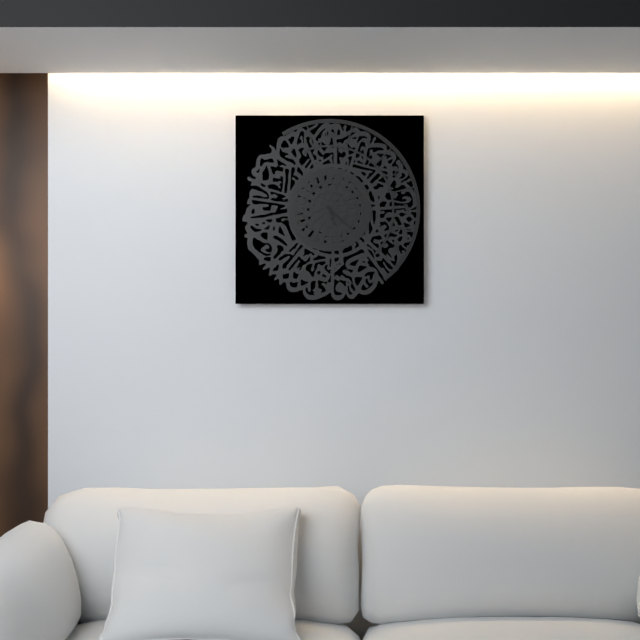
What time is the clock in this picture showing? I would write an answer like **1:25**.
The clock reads **5:22**
